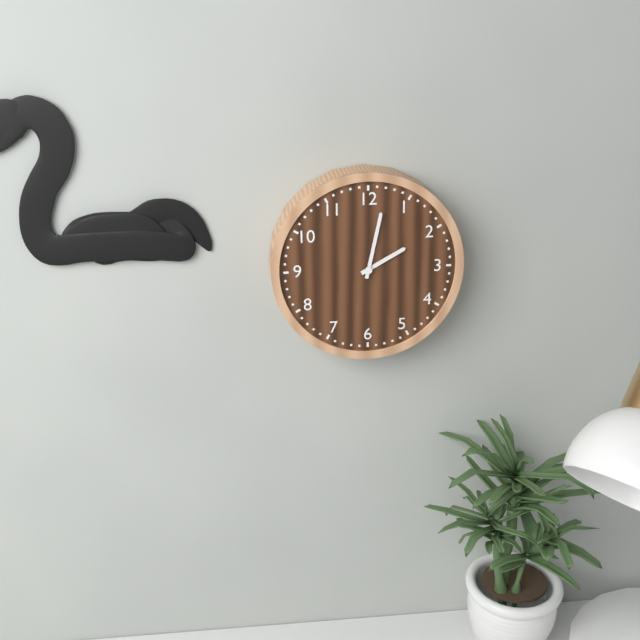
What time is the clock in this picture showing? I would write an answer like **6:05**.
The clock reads **2:02**
